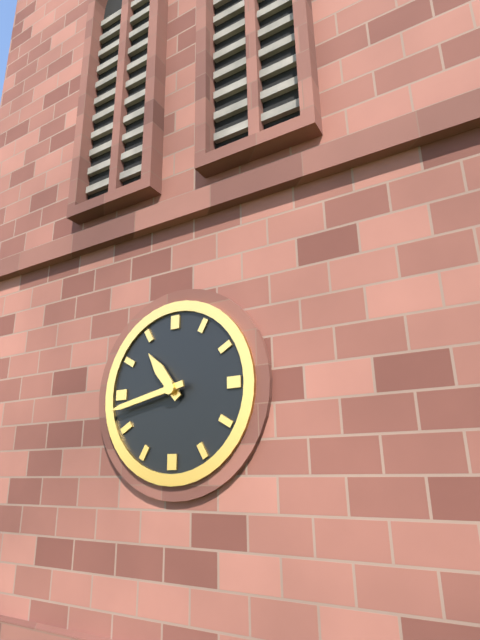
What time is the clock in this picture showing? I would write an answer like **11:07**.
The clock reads **10:43**
